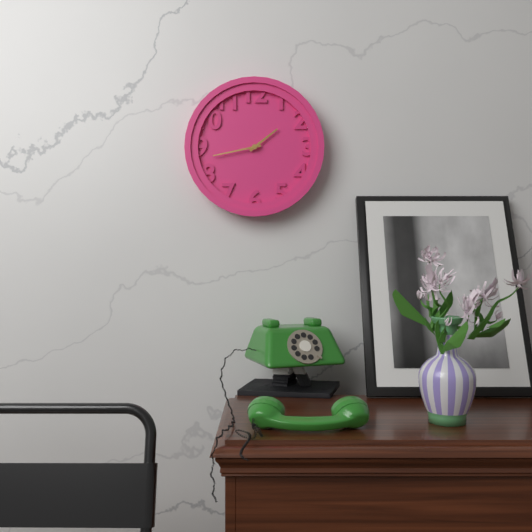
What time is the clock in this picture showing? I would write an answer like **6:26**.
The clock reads **1:43**
